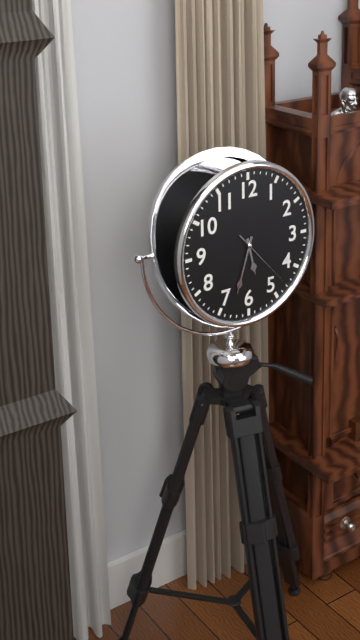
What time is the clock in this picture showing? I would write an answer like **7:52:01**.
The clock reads **5:33:23**
